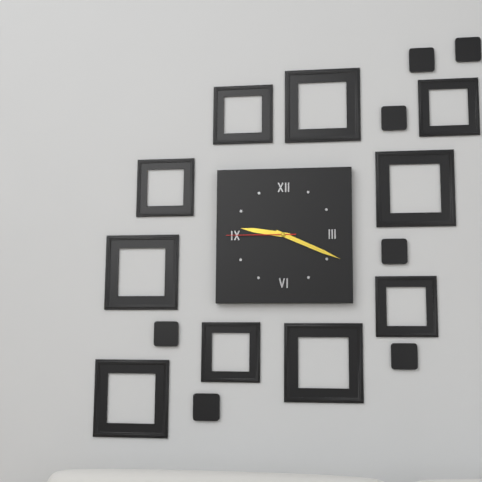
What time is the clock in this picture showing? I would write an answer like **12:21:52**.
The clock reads **9:19:45**
